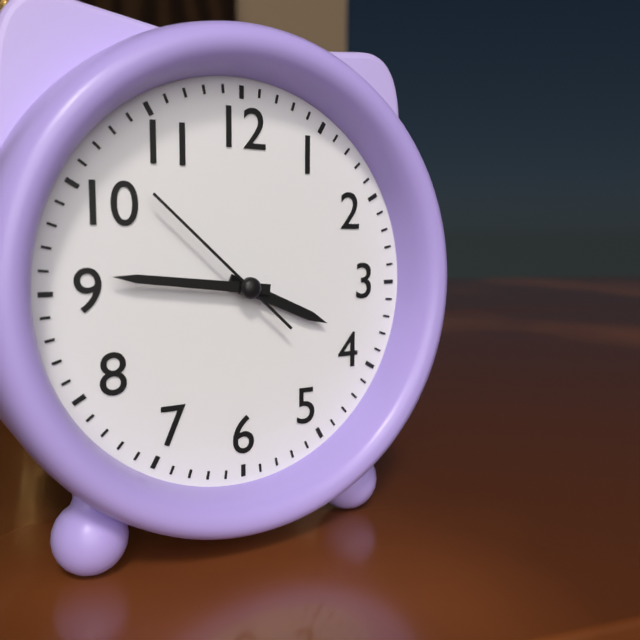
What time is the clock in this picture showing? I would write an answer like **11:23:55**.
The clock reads **3:46:52**
